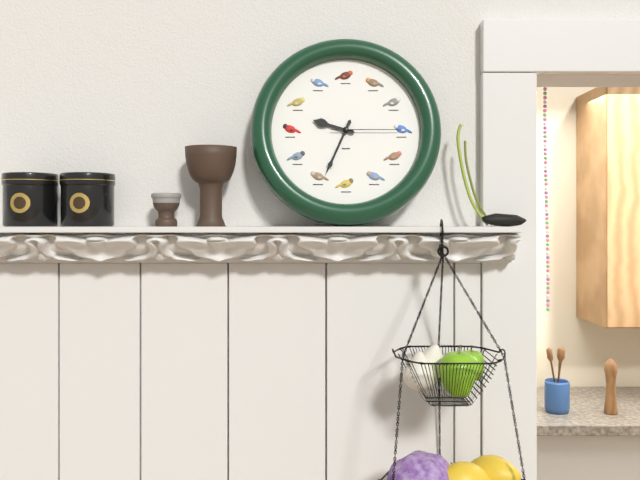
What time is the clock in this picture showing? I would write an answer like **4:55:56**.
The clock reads **9:34:15**
